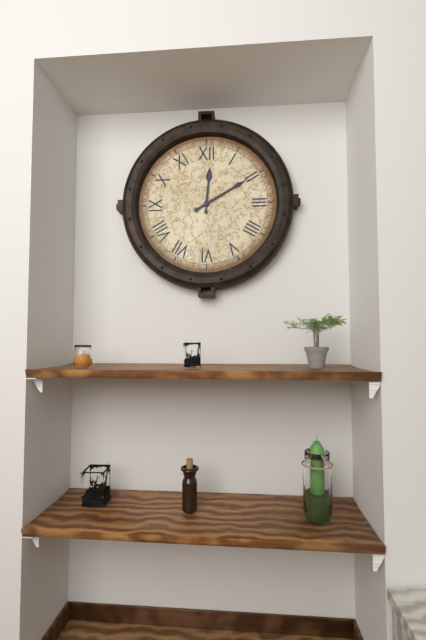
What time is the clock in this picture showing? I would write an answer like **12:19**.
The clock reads **12:10**
